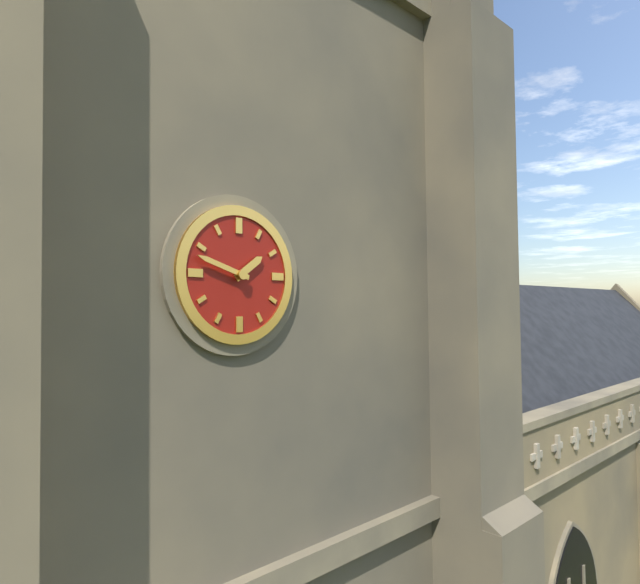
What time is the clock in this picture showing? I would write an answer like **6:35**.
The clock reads **1:48**
